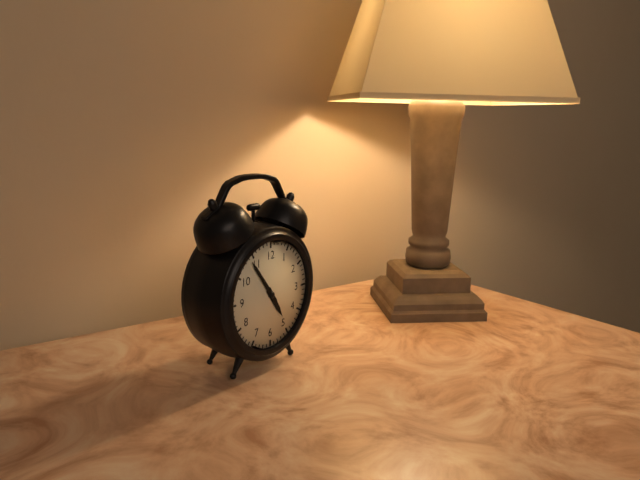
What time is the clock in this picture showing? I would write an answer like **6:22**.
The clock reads **4:54**
